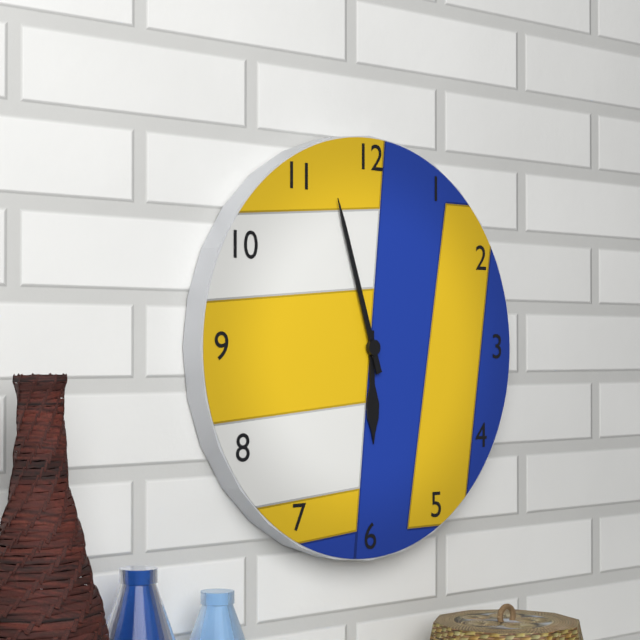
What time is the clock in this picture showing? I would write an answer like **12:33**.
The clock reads **5:57**
